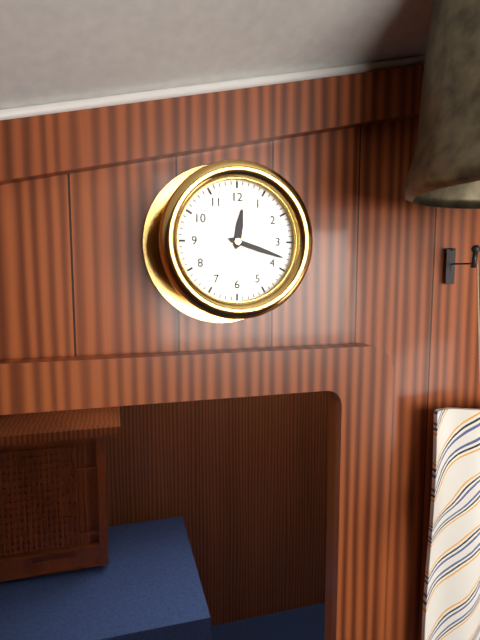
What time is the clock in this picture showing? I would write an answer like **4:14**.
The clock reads **12:18**
